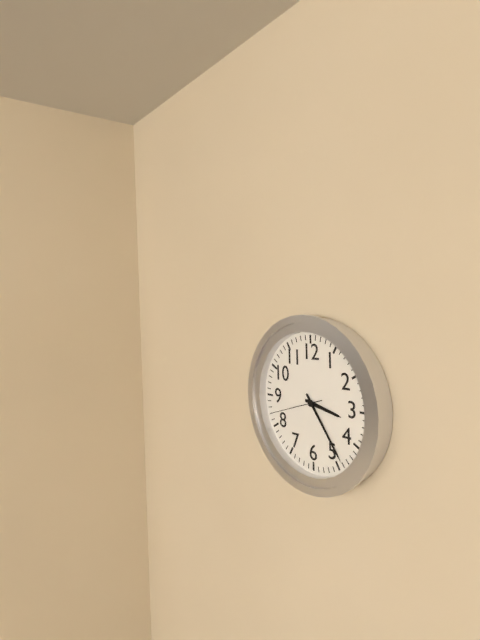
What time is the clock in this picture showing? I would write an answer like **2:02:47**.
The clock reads **3:24:42**
